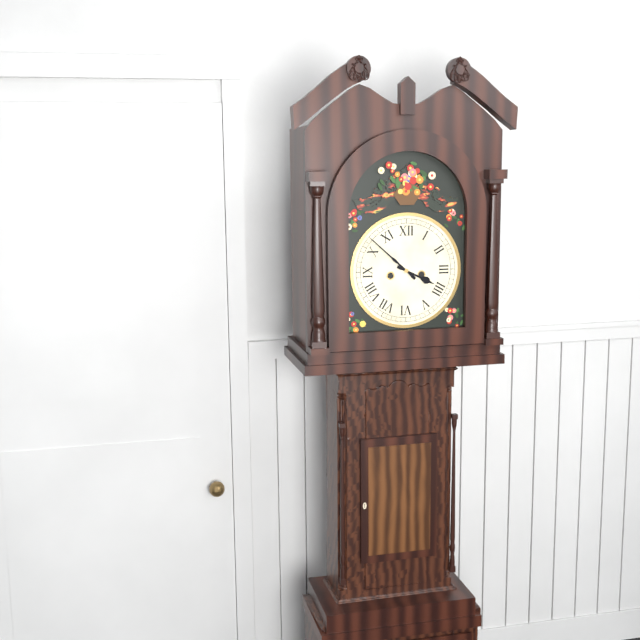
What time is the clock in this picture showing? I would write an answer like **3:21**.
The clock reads **3:52**
